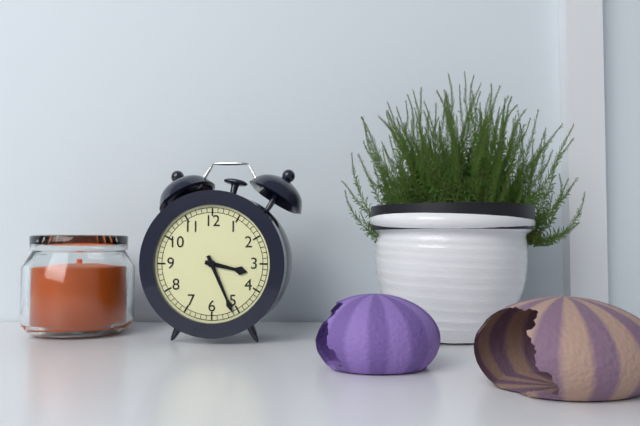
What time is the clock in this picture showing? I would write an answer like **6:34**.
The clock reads **3:26**
